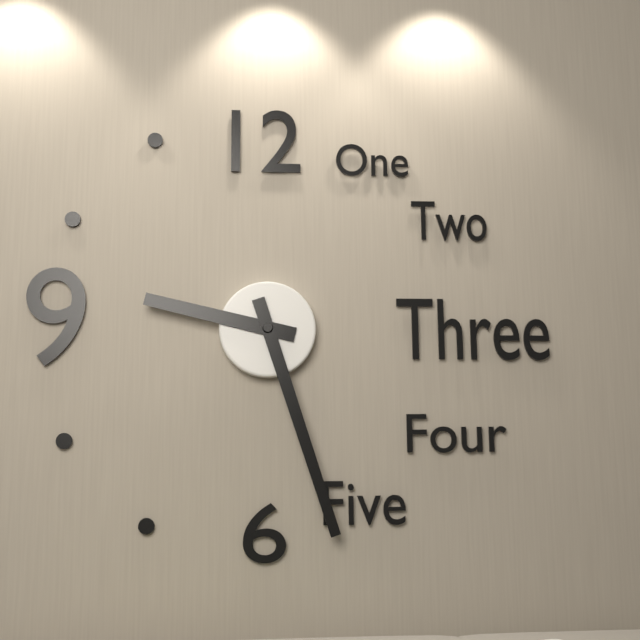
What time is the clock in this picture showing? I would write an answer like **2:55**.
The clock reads **9:27**
